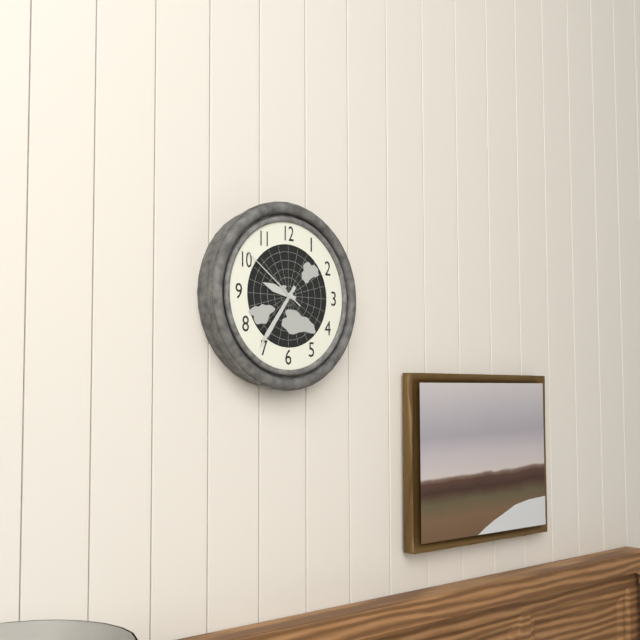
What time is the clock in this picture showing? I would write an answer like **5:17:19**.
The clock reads **9:36:51**
